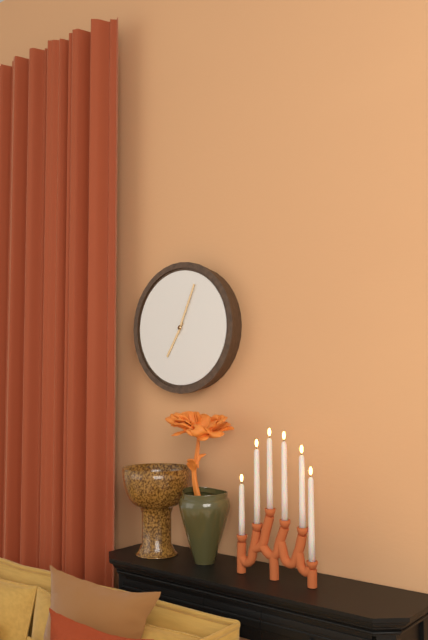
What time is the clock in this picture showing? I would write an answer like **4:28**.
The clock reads **7:04**
